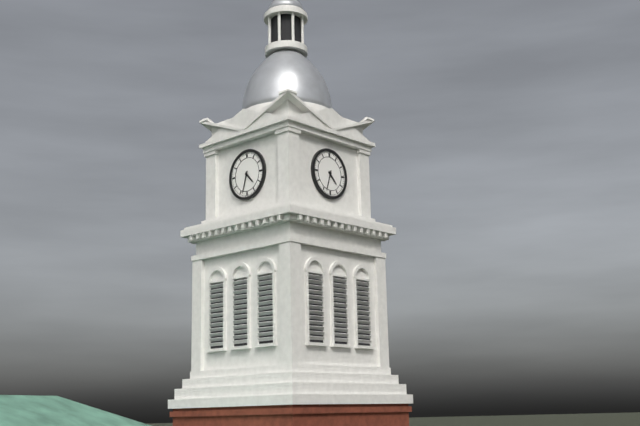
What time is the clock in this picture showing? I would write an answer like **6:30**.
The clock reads **4:33**
